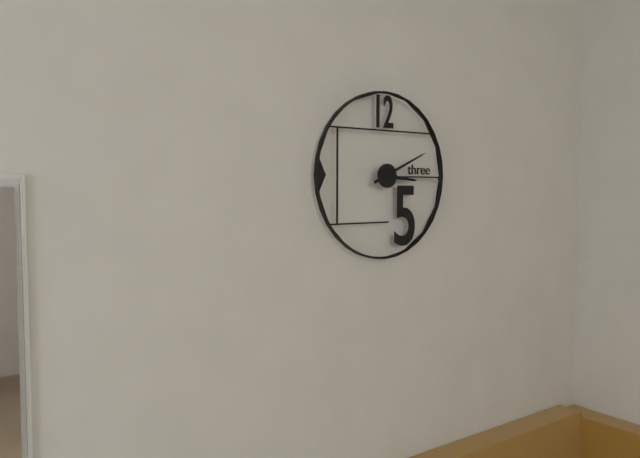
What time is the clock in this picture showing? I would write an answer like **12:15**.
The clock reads **3:11**
